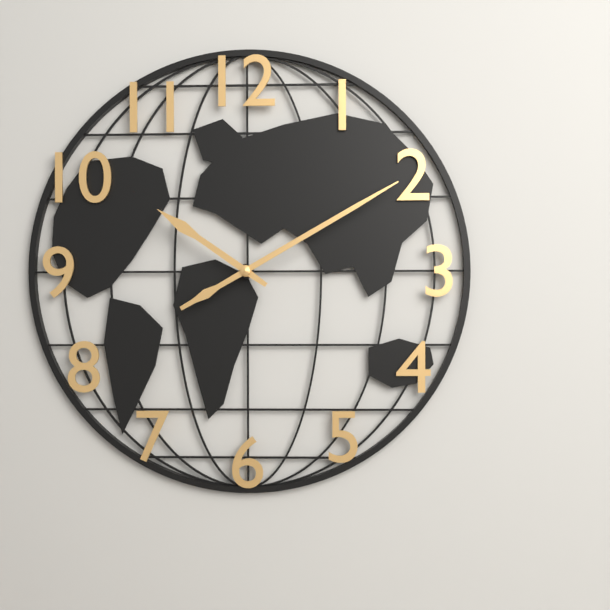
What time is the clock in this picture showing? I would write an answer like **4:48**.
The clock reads **10:10**
